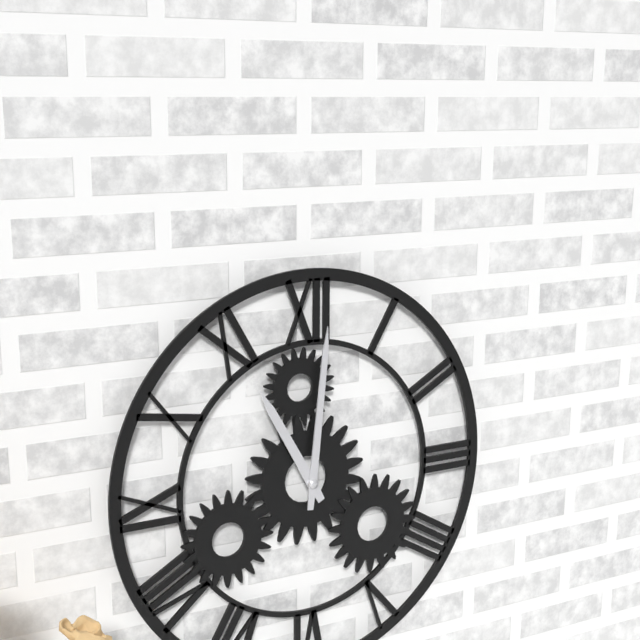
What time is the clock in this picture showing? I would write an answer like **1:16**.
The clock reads **11:01**
